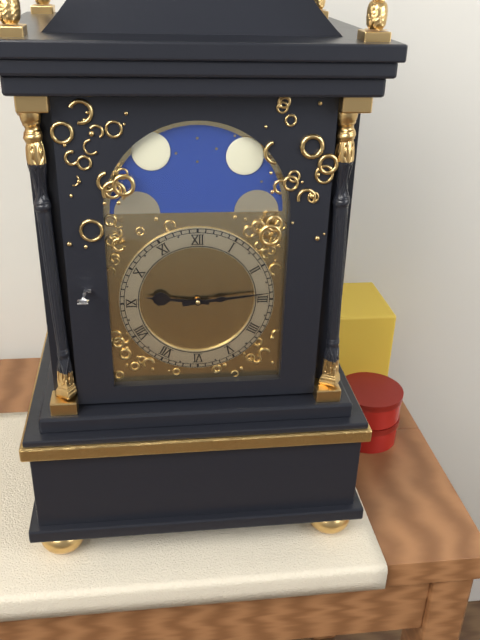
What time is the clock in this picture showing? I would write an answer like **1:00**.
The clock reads **9:14**
